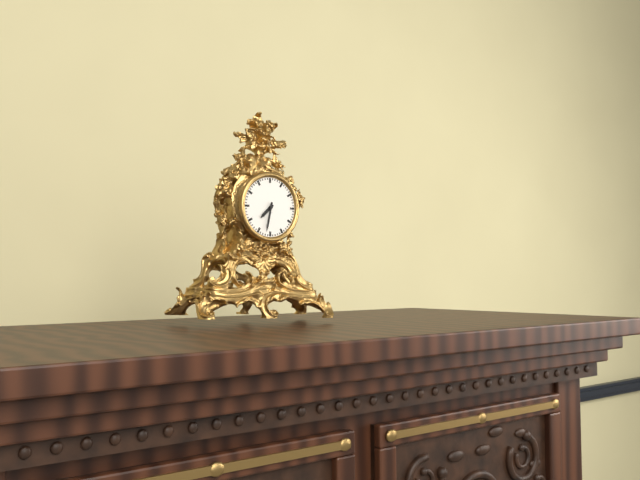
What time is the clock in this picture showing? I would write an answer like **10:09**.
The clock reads **7:32**
